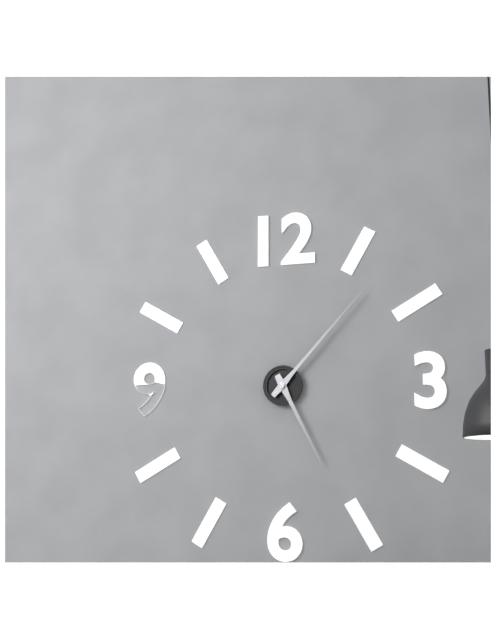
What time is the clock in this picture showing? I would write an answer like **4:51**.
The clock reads **5:07**
